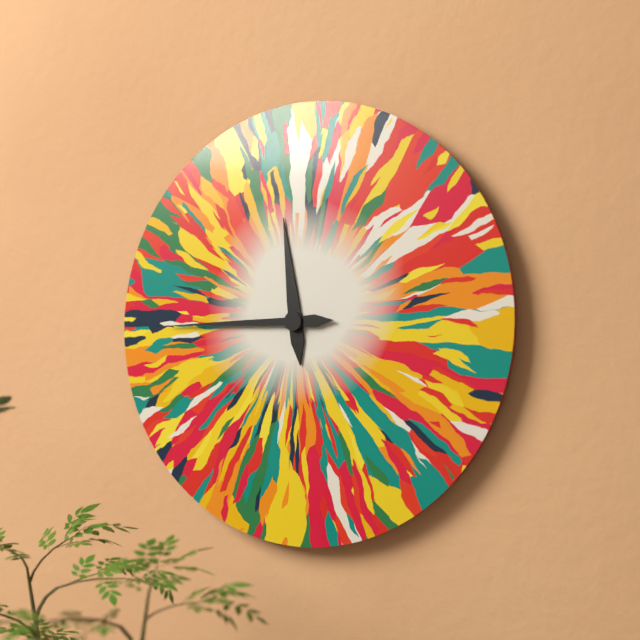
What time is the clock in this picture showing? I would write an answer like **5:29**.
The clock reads **11:45**
